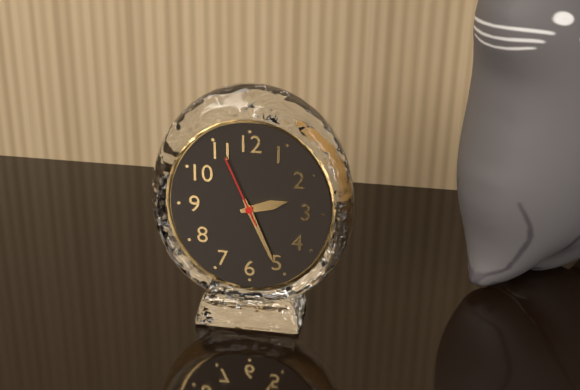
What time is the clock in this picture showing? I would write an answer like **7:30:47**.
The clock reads **2:26:56**
